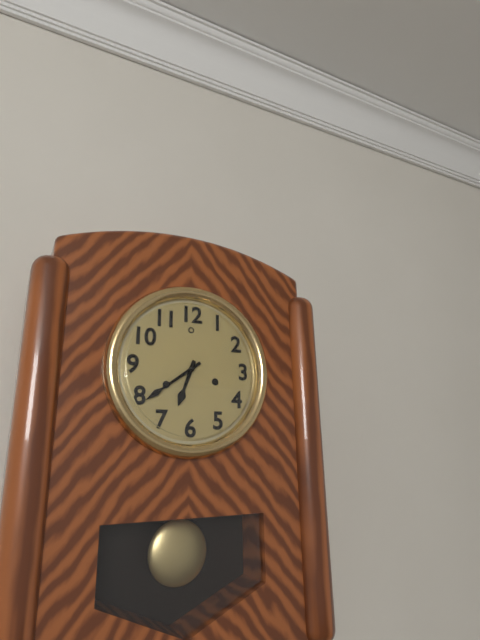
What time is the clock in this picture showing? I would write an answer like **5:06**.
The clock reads **6:39**
